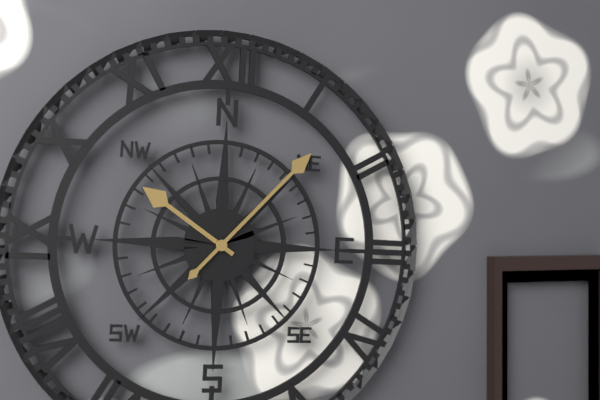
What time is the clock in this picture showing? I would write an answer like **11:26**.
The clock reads **10:07**
